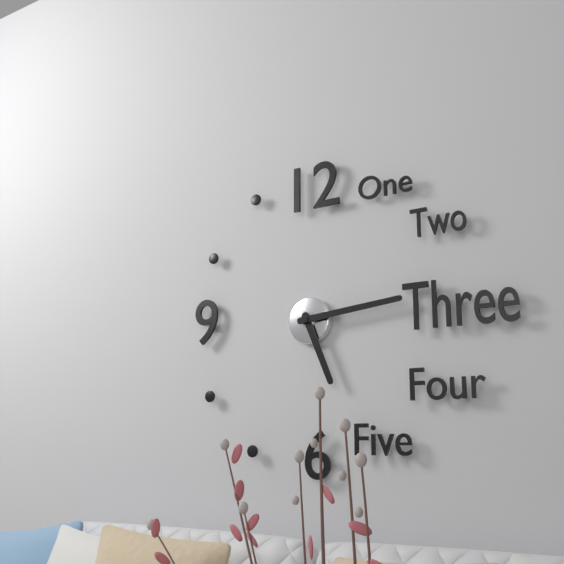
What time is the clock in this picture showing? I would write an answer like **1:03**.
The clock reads **5:14**
